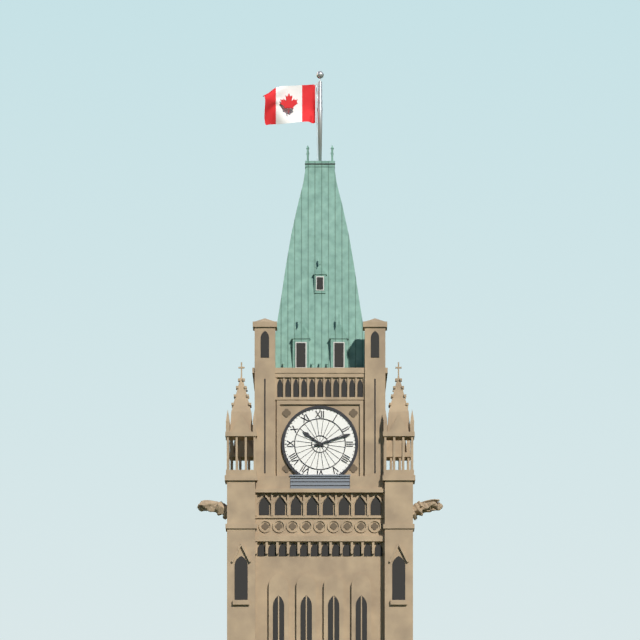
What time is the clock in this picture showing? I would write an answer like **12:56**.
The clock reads **10:12**
